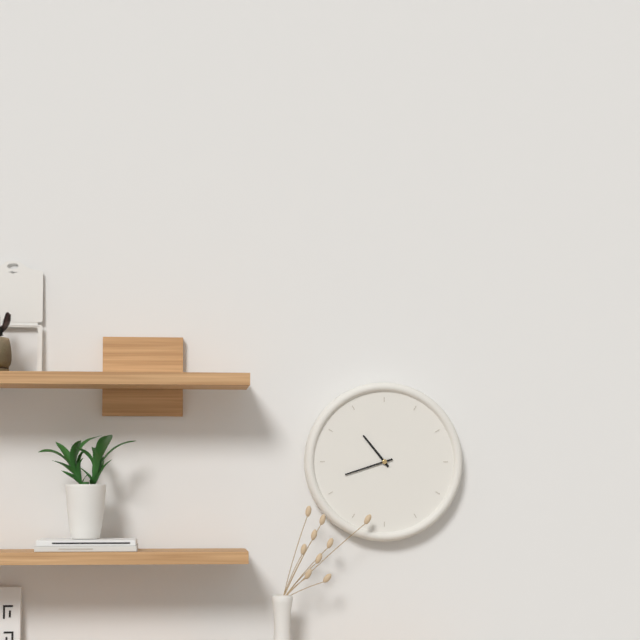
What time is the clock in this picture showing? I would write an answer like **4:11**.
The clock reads **10:42**
